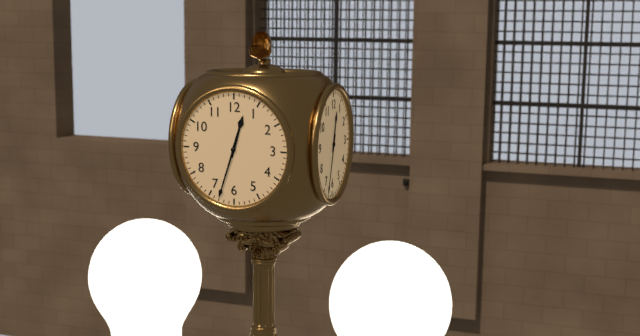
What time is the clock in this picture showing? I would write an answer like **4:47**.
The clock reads **12:33**
